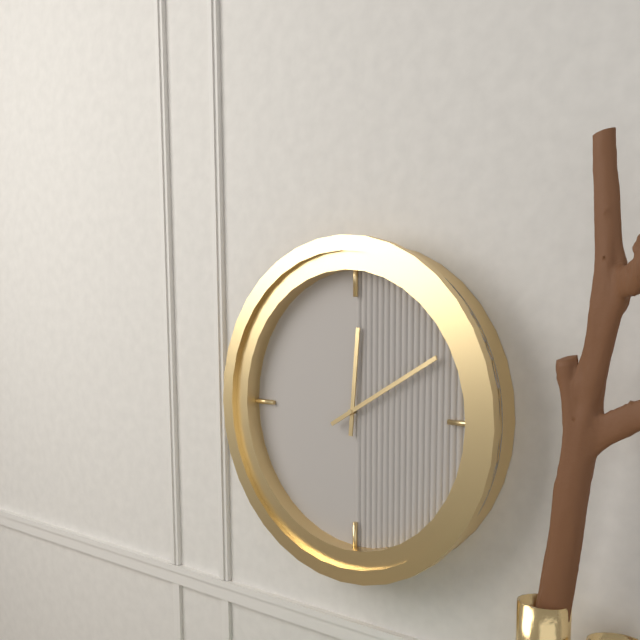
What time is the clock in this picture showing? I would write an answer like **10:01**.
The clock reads **12:10**
